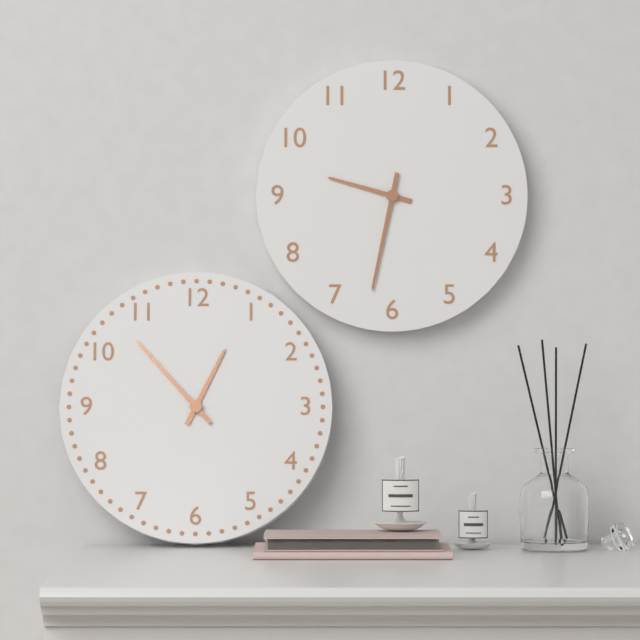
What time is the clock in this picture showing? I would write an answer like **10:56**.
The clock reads **9:32**
